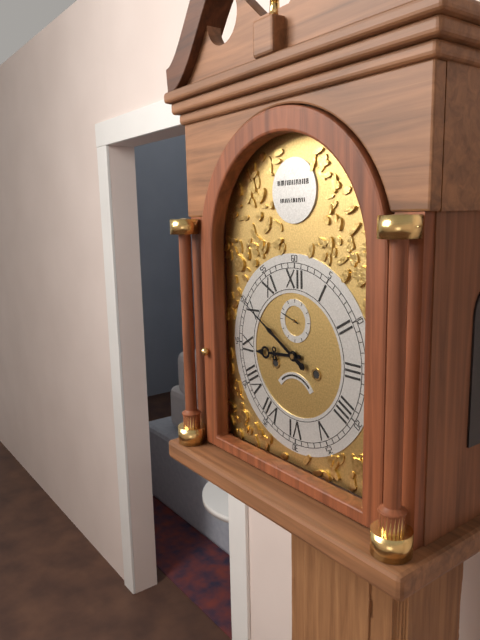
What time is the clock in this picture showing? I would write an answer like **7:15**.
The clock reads **8:50**
